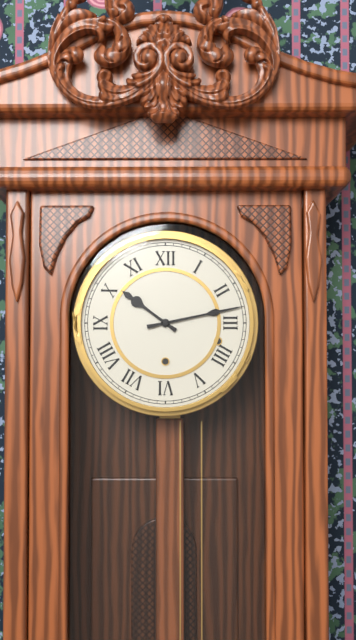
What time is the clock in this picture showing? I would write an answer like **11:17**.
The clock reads **10:13**
